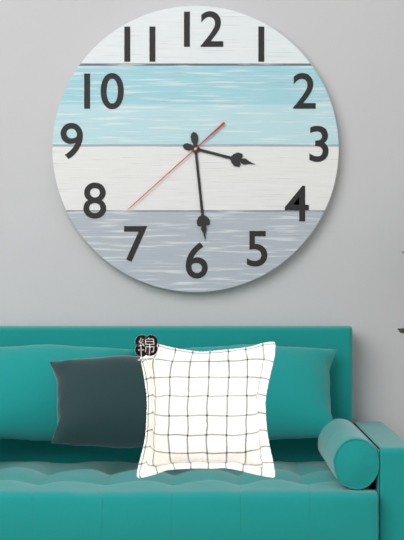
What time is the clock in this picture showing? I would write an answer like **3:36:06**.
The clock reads **3:29:38**
